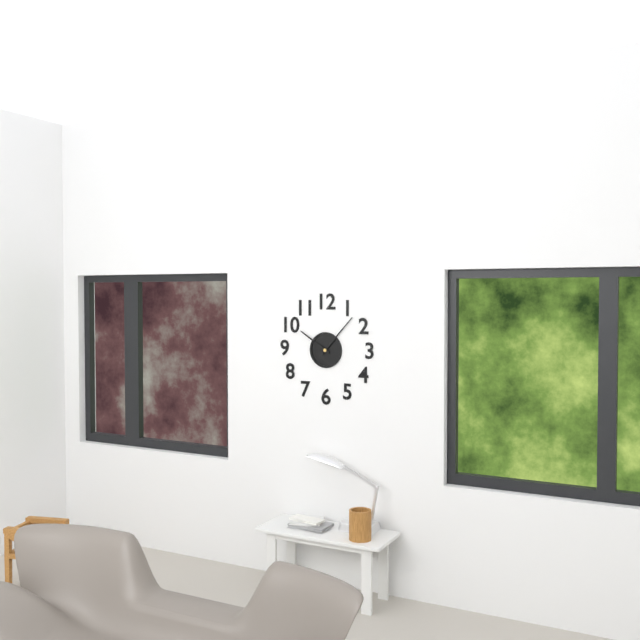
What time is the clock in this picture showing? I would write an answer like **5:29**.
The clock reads **10:07**
